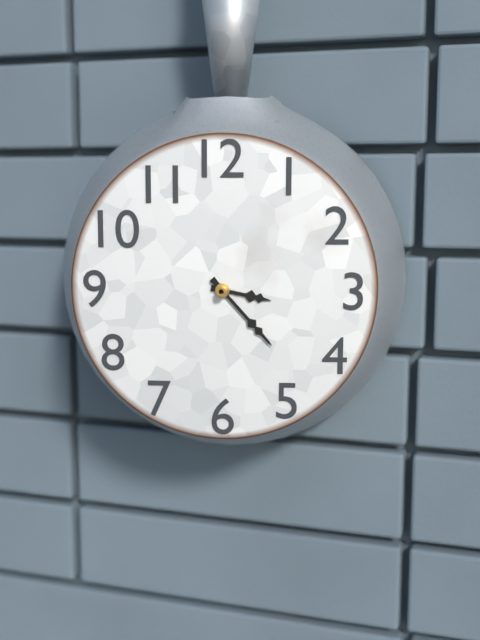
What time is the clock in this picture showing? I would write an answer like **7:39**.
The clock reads **3:23**
